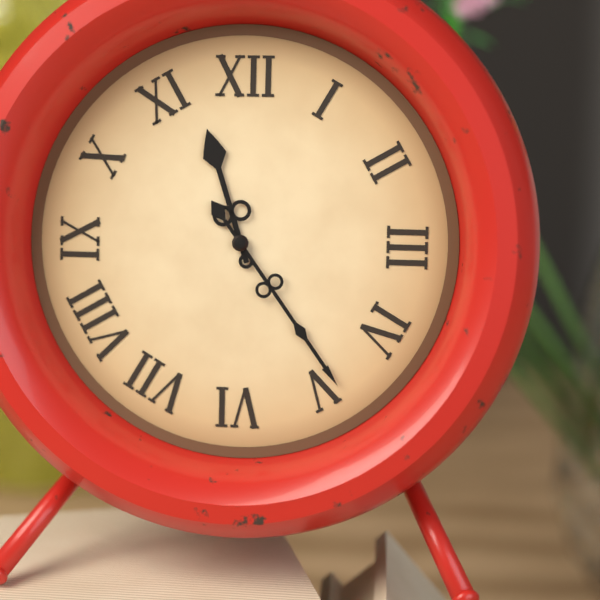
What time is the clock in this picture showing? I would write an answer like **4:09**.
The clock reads **11:24**
